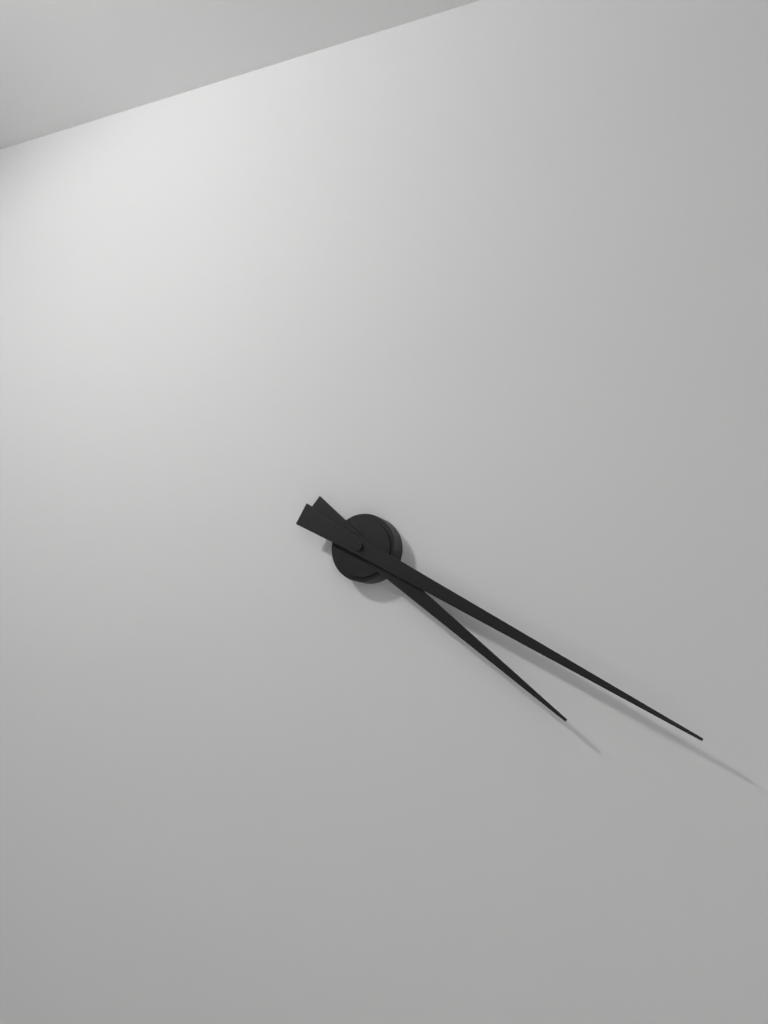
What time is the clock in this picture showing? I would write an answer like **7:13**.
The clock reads **4:20**
